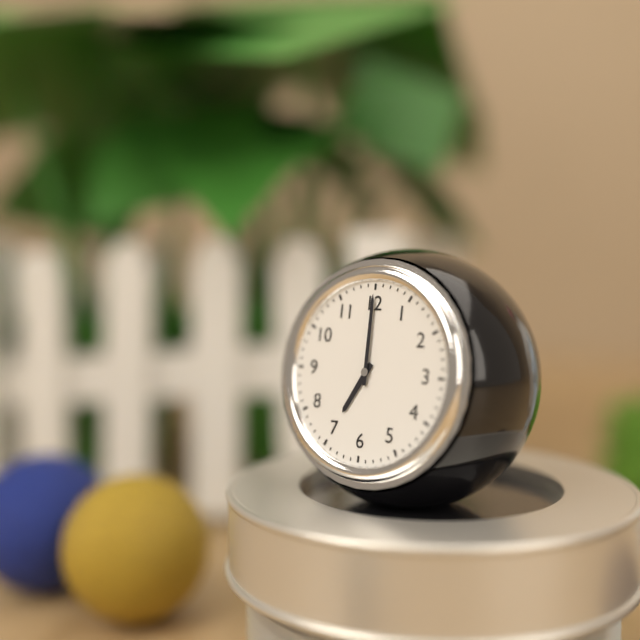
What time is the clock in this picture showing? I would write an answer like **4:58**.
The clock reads **7:00**
